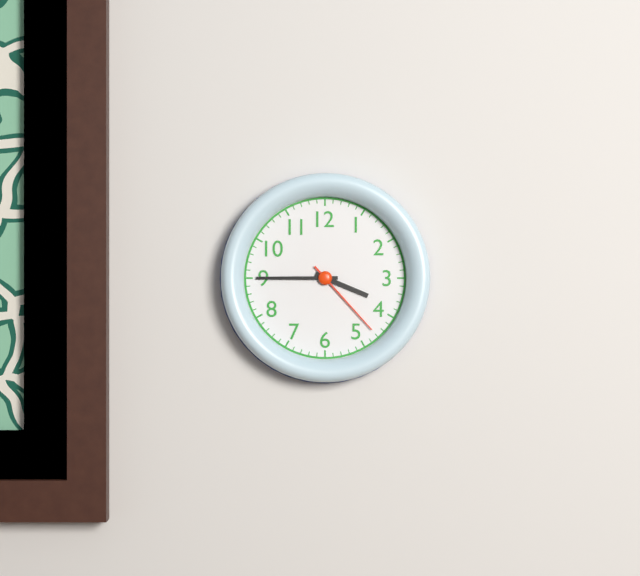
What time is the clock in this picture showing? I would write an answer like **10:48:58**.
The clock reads **3:45:23**
